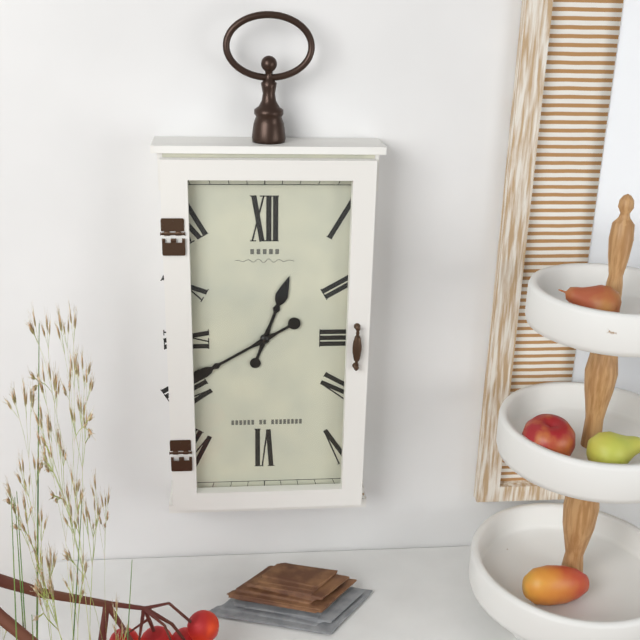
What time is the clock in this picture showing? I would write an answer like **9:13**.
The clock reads **12:40**
